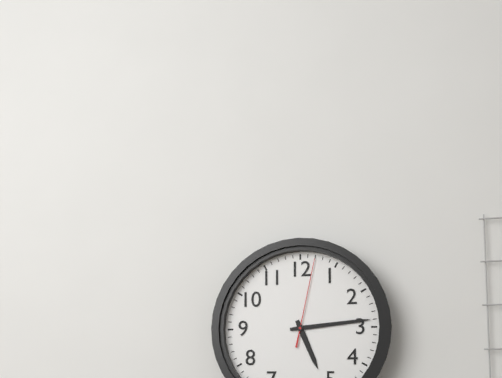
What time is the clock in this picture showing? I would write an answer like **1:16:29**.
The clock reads **5:14:02**
